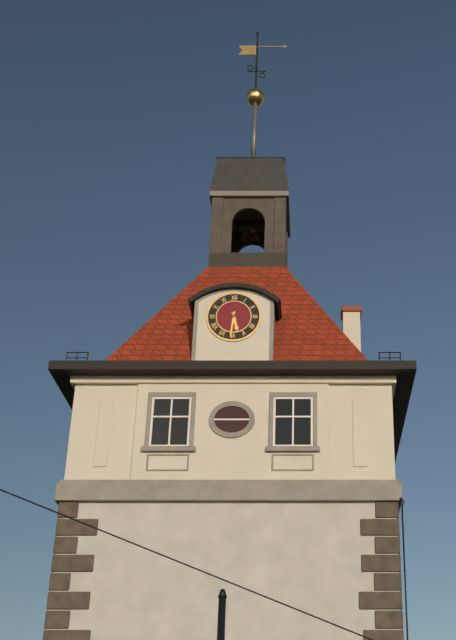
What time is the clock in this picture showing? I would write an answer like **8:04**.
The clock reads **5:31**
